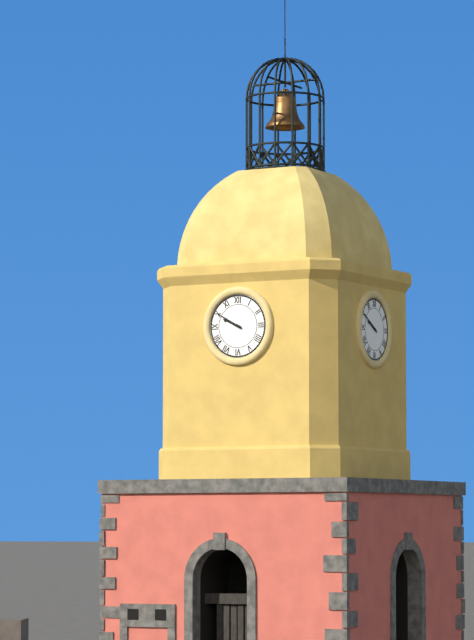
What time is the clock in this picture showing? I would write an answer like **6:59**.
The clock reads **9:50**
